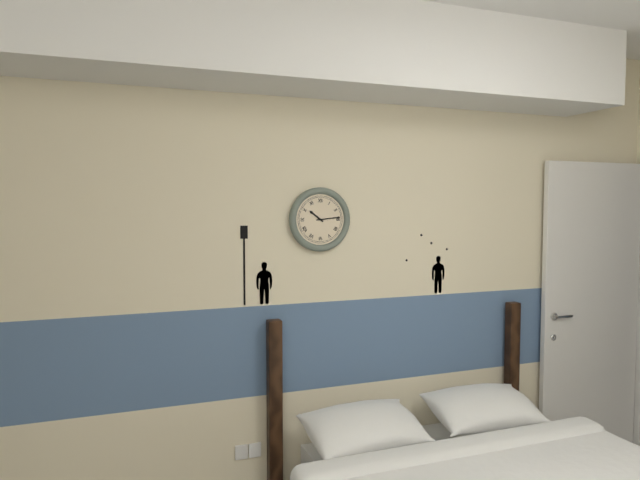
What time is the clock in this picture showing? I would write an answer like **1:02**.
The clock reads **10:14**
